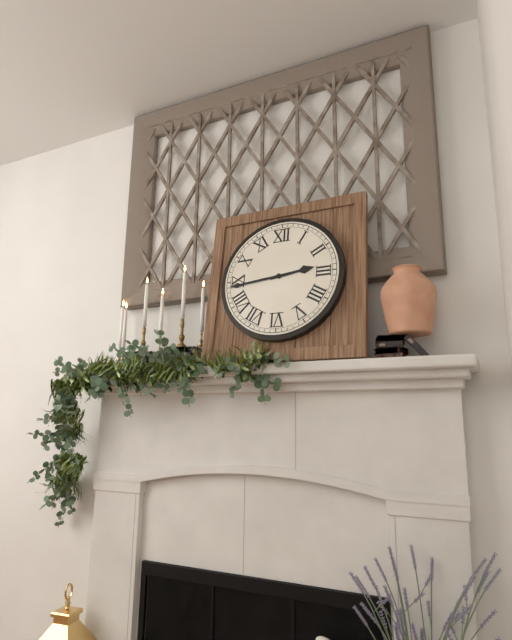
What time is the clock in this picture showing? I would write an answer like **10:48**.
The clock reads **2:44**
